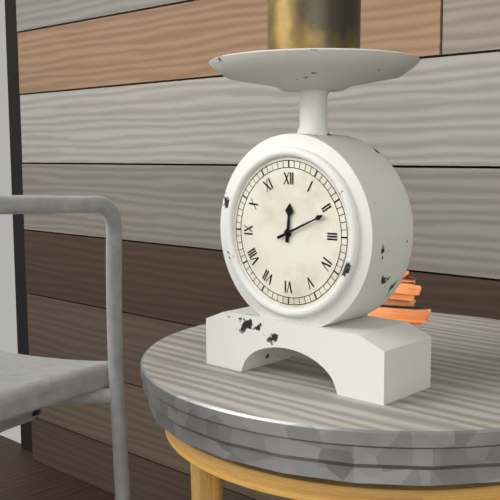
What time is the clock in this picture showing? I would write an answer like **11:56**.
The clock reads **12:11**
